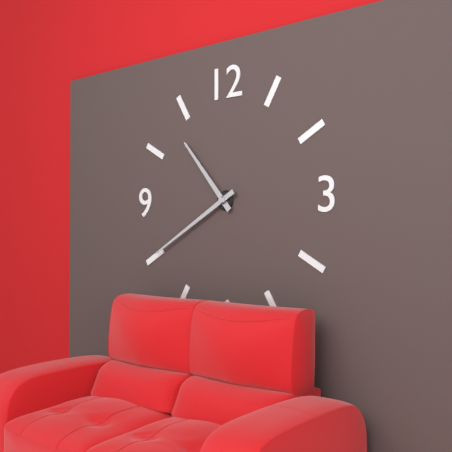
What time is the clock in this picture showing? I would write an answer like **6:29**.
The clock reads **10:40**
